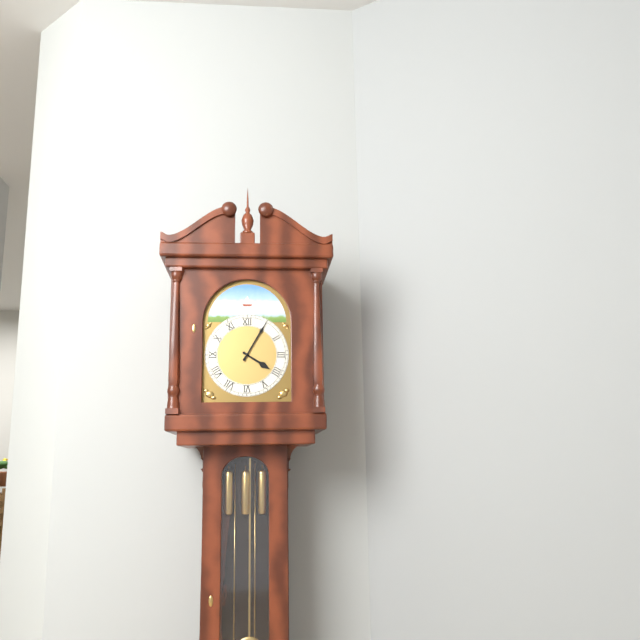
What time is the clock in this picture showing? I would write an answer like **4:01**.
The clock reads **4:05**
